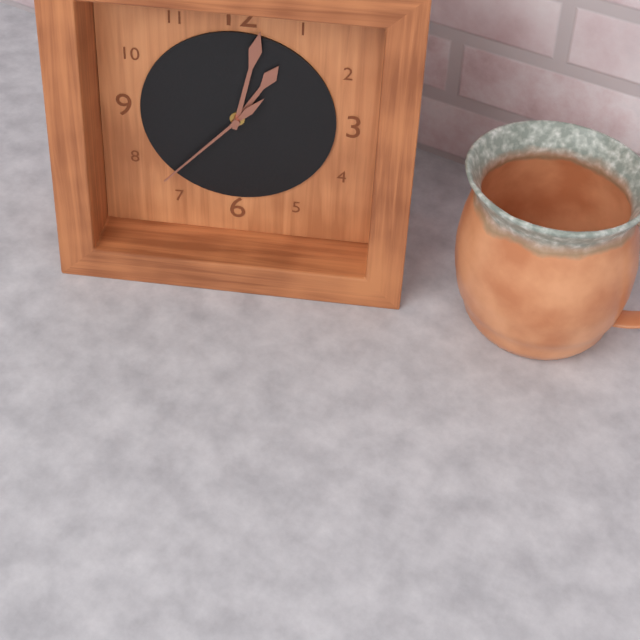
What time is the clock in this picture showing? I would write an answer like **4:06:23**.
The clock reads **1:02:37**
